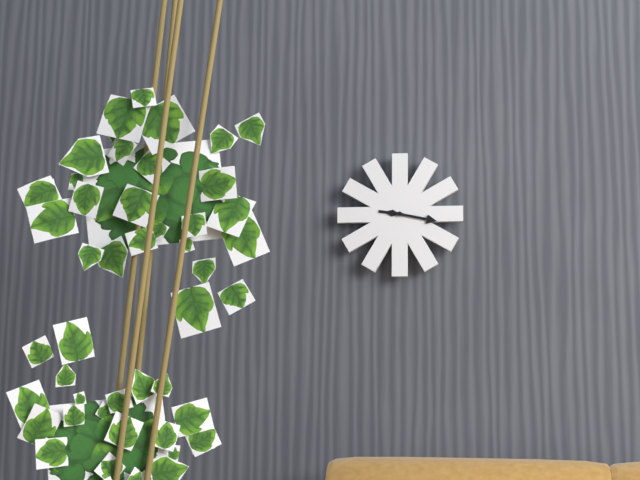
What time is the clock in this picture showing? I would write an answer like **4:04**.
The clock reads **9:17**
